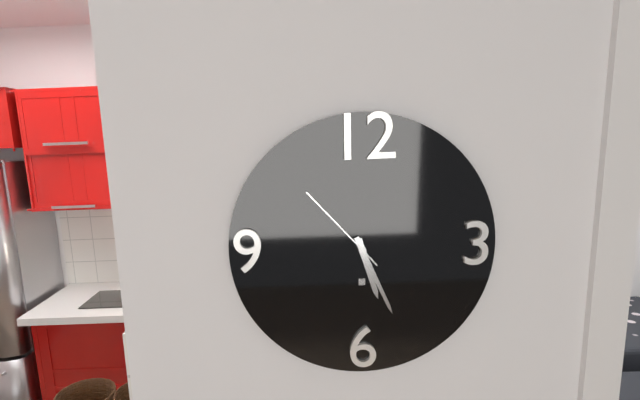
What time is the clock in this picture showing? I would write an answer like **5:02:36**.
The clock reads **5:26:53**
